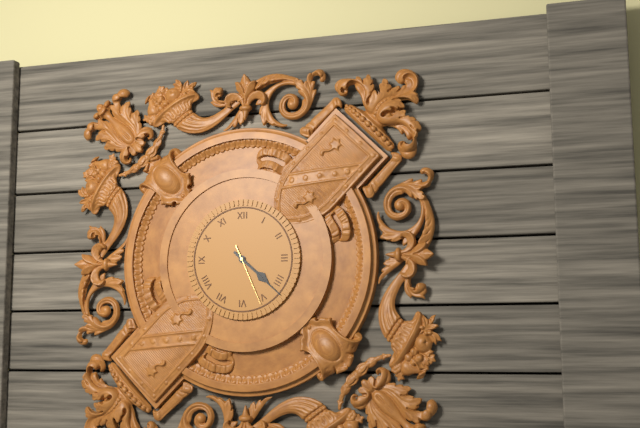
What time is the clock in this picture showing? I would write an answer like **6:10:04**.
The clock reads **4:22:26**
